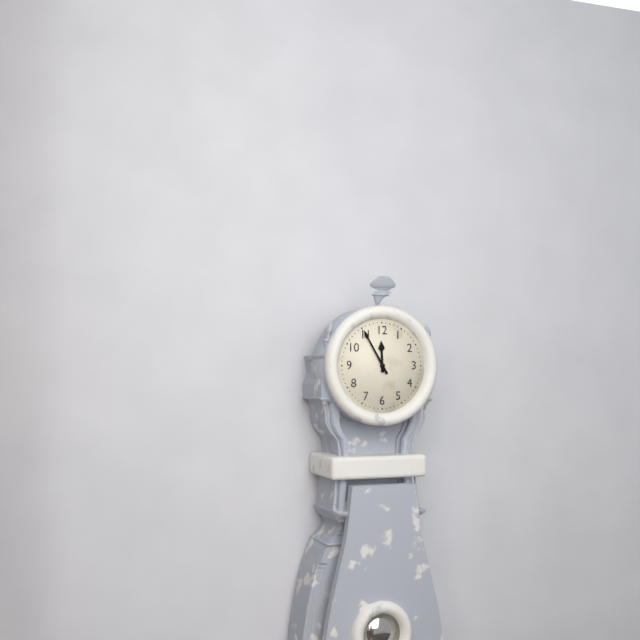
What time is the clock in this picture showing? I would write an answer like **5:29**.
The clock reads **11:55**
